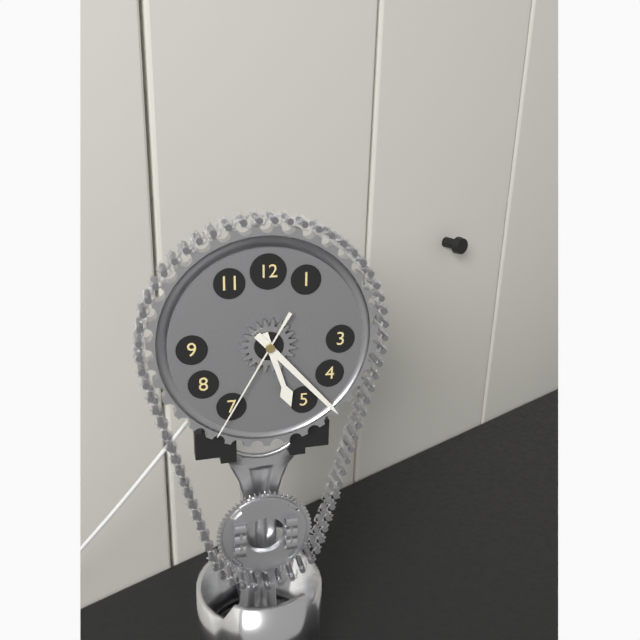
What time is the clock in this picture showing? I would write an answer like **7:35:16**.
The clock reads **5:23:35**
